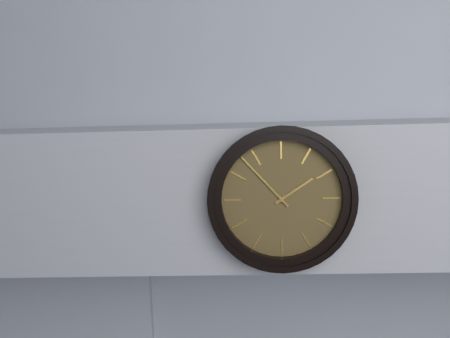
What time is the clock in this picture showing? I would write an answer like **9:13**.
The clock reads **1:53**
